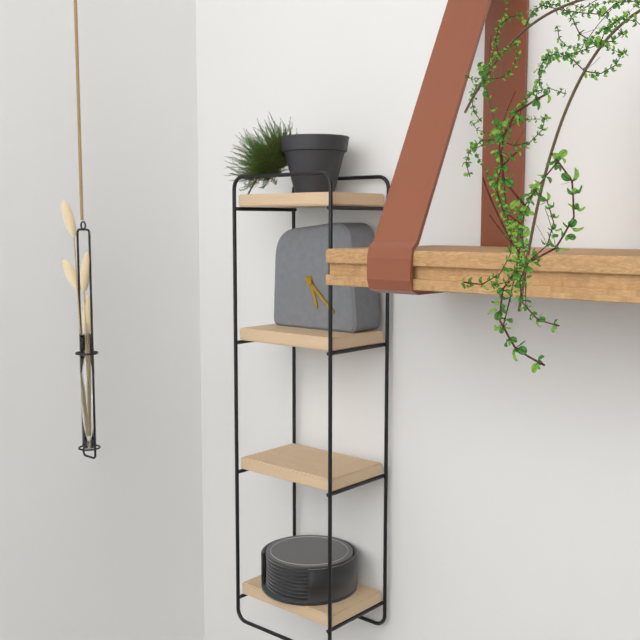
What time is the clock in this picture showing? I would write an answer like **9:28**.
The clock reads **5:22**
